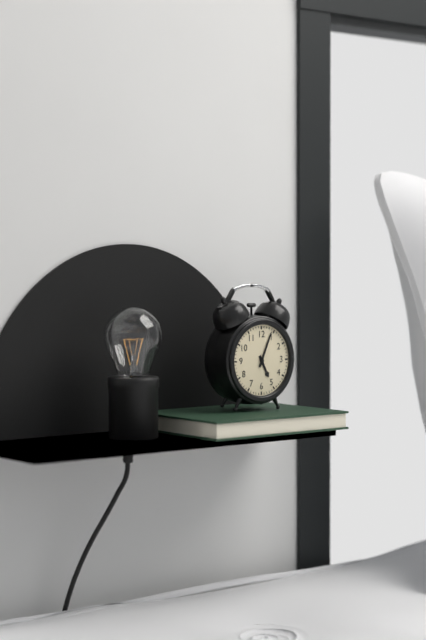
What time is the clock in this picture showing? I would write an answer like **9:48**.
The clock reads **5:04**
